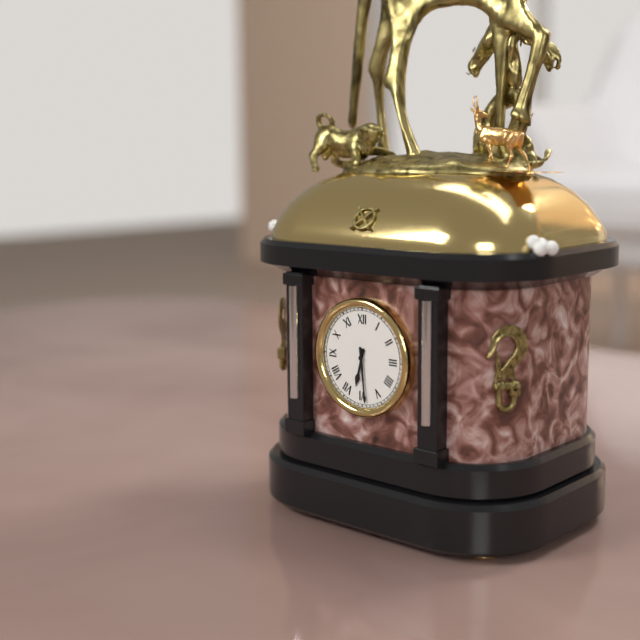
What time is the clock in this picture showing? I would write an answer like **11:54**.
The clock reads **6:29**
